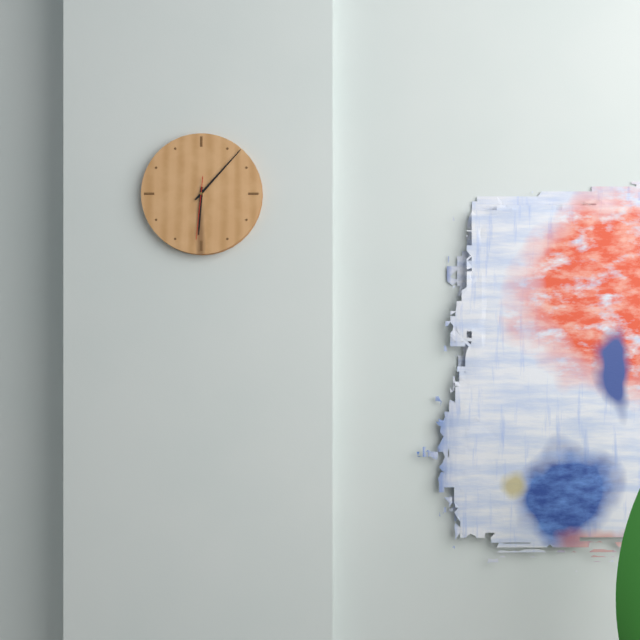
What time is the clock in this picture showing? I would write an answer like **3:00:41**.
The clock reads **6:07:31**
